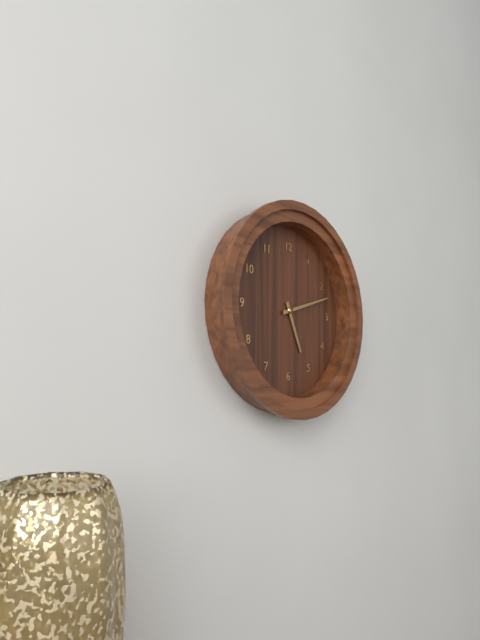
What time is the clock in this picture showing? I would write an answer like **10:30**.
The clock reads **5:12**
